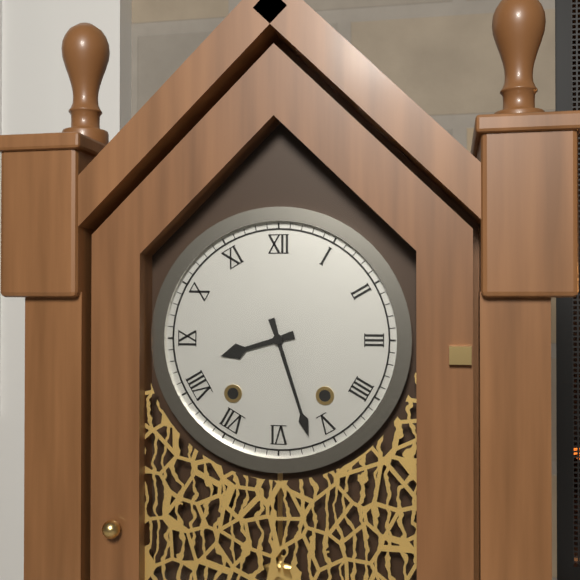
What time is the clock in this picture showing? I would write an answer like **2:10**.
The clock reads **8:27**
